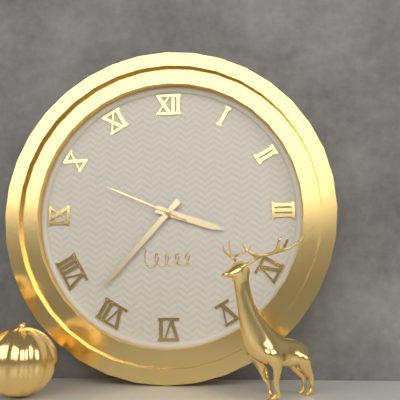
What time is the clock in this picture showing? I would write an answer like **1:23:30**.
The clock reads **3:37:49**
